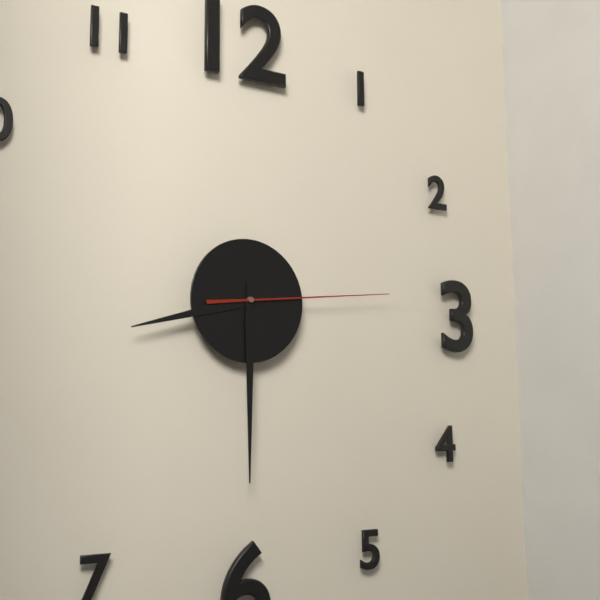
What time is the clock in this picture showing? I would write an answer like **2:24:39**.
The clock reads **8:30:14**
